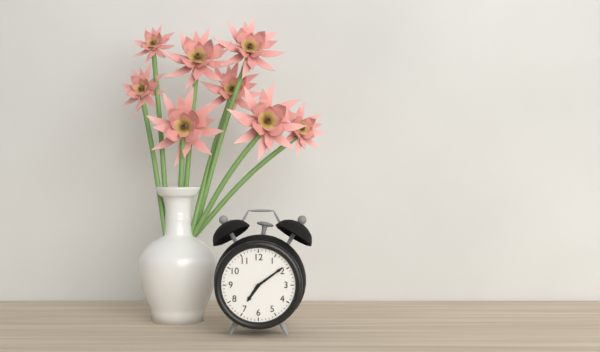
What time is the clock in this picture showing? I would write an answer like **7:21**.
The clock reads **7:09**
